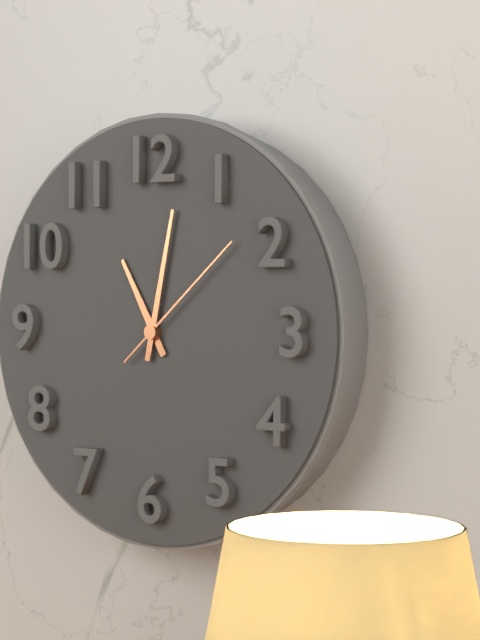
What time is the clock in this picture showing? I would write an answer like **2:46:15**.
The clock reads **11:02:08**
